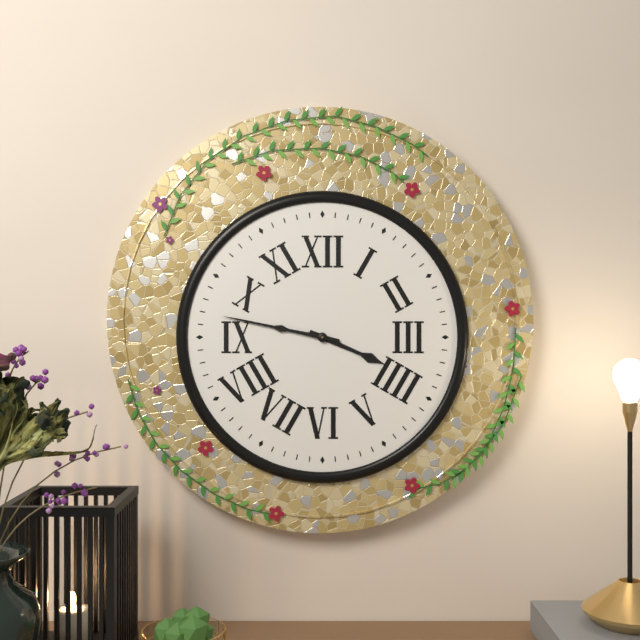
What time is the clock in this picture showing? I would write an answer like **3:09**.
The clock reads **3:47**
